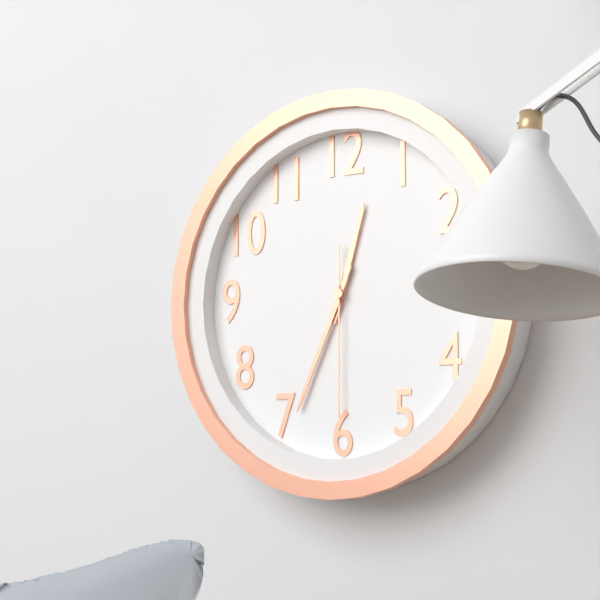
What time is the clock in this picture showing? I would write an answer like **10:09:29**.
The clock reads **12:34:30**
